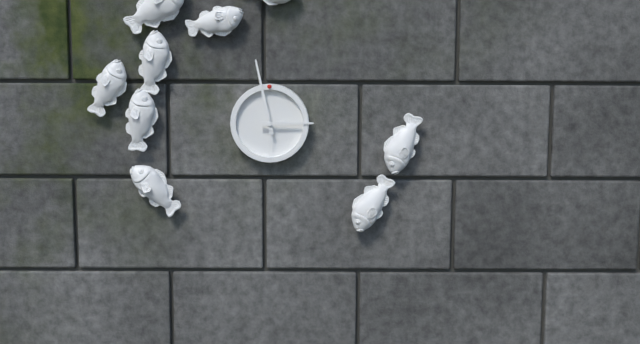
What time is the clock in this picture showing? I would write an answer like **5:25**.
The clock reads **2:58**
